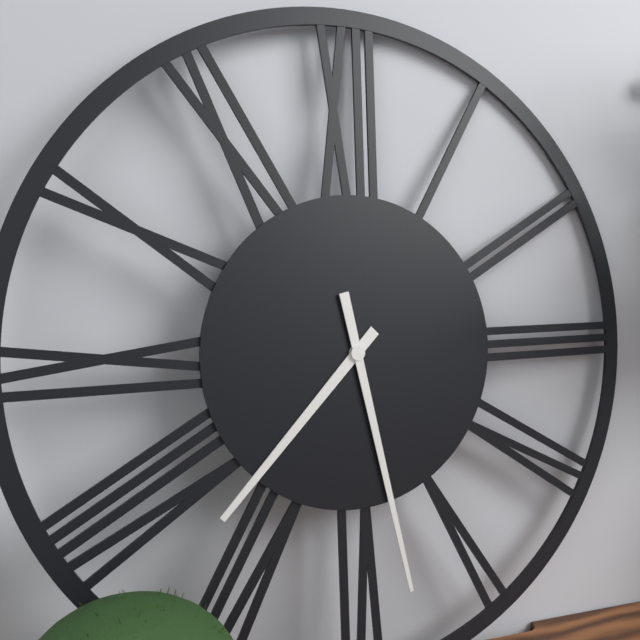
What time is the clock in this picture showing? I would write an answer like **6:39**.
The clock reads **7:28**
